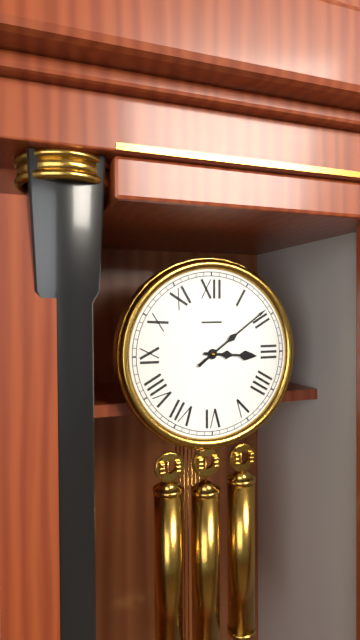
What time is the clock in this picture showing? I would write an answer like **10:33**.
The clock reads **3:09**
